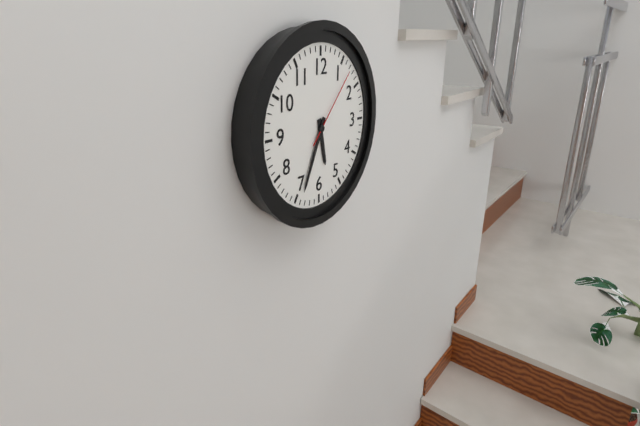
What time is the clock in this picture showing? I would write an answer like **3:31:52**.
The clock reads **5:34:07**
